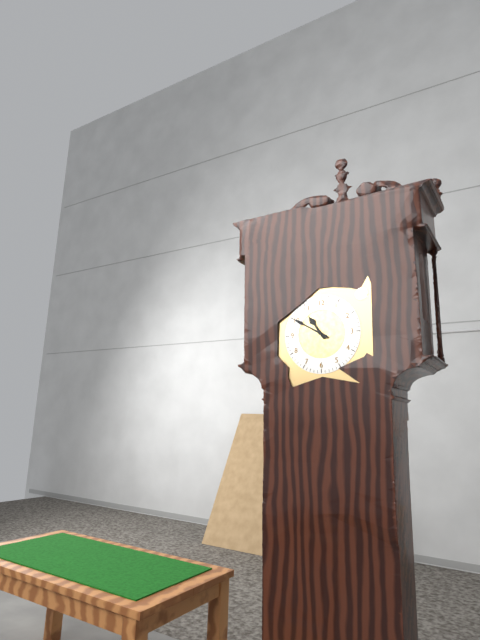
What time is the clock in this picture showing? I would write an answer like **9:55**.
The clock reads **10:50**
